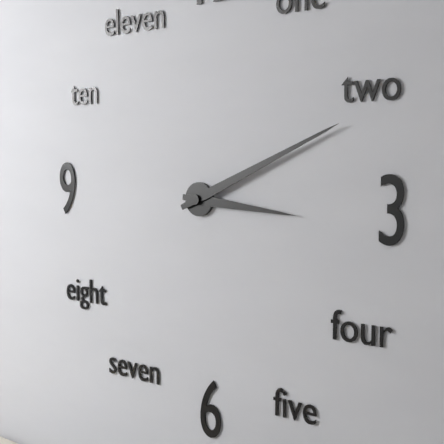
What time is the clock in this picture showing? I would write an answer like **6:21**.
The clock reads **3:11**
